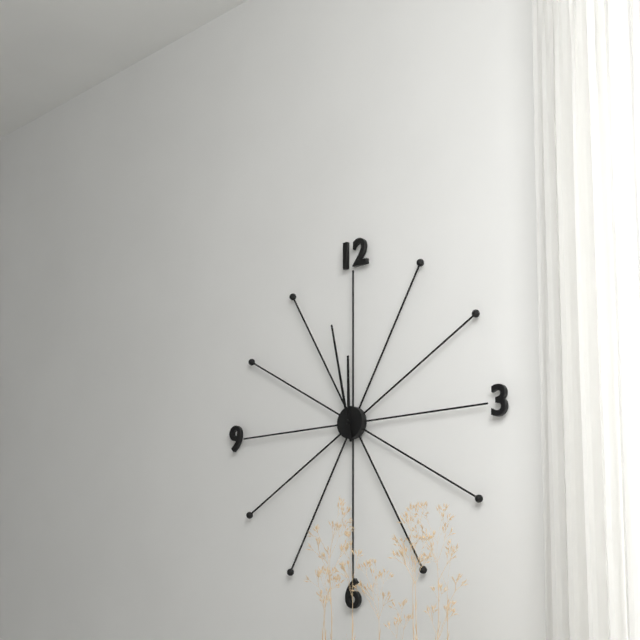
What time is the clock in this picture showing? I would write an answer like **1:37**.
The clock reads **11:58**
